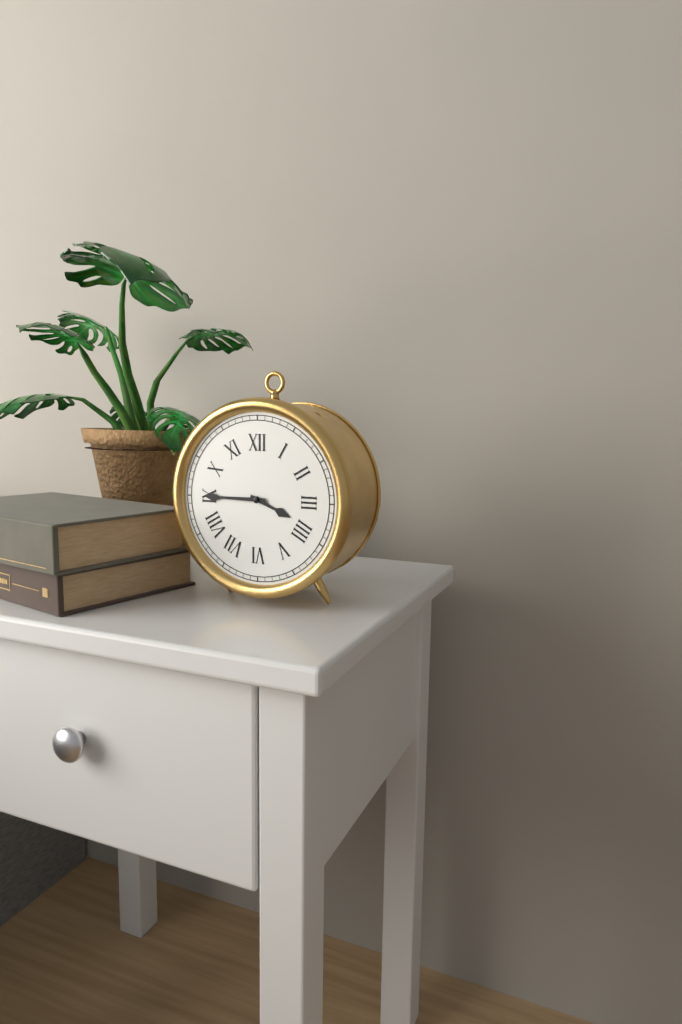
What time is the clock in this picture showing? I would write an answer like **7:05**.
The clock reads **3:45**
